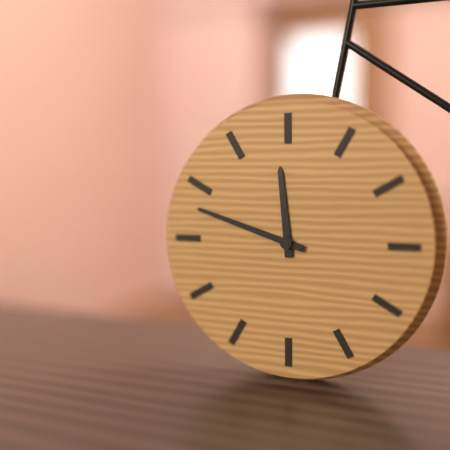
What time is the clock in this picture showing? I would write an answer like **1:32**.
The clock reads **11:48**
